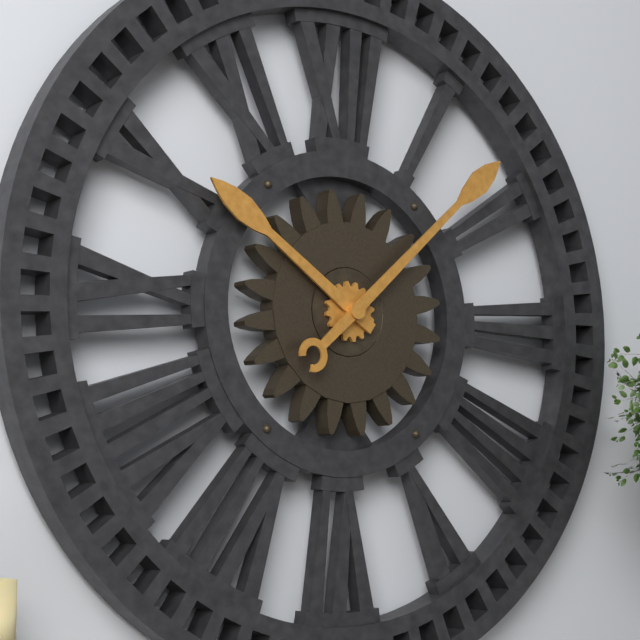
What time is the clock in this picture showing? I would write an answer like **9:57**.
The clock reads **10:08**
